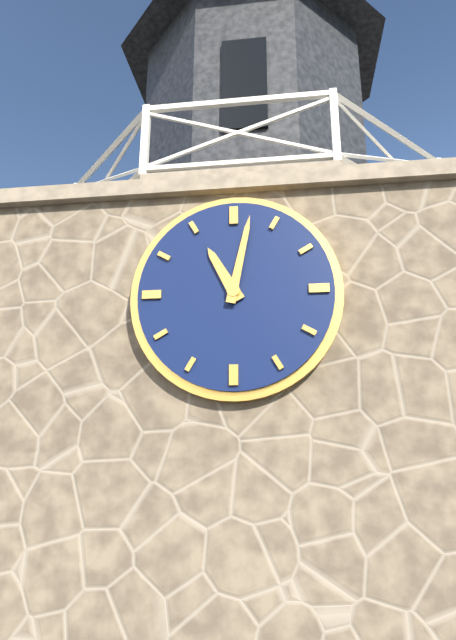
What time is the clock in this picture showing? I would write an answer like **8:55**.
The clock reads **11:02**
